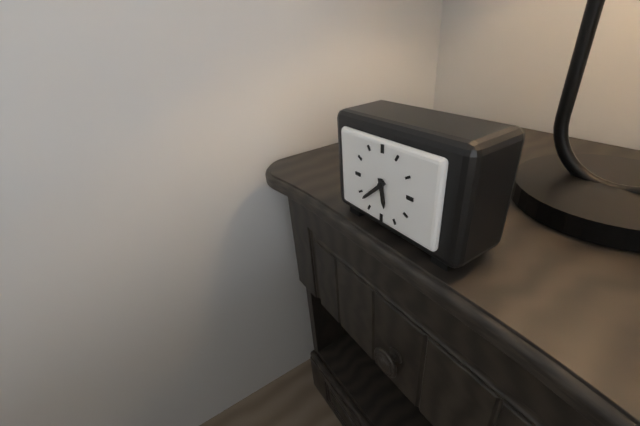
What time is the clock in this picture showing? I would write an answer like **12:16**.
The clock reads **5:38**
